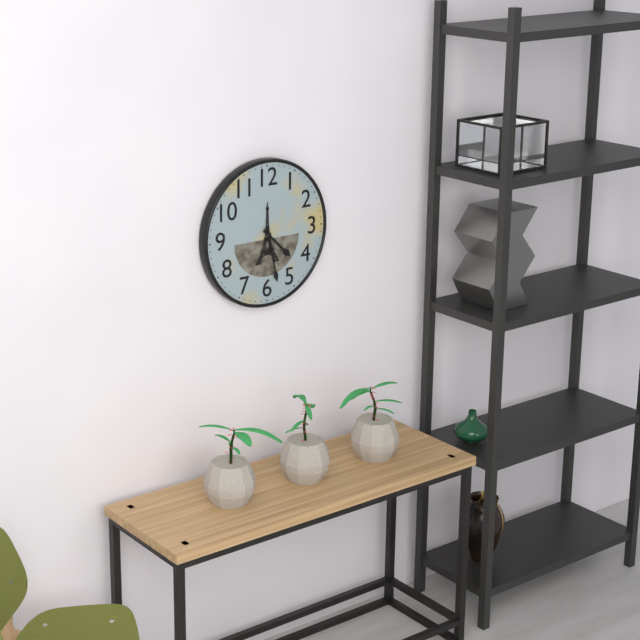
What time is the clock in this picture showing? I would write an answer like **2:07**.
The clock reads **4:28**
